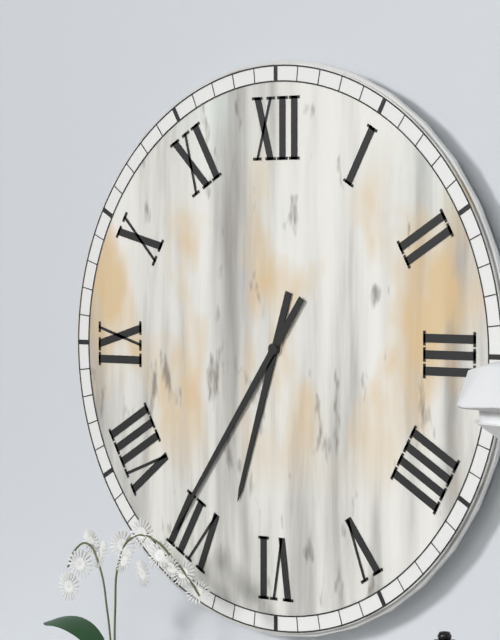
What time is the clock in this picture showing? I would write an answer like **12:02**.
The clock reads **6:36**
